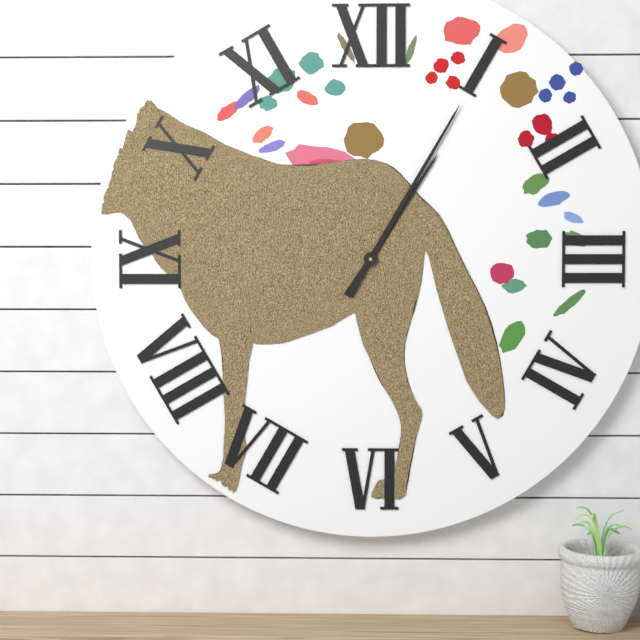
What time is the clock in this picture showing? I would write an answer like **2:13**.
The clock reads **1:05**
